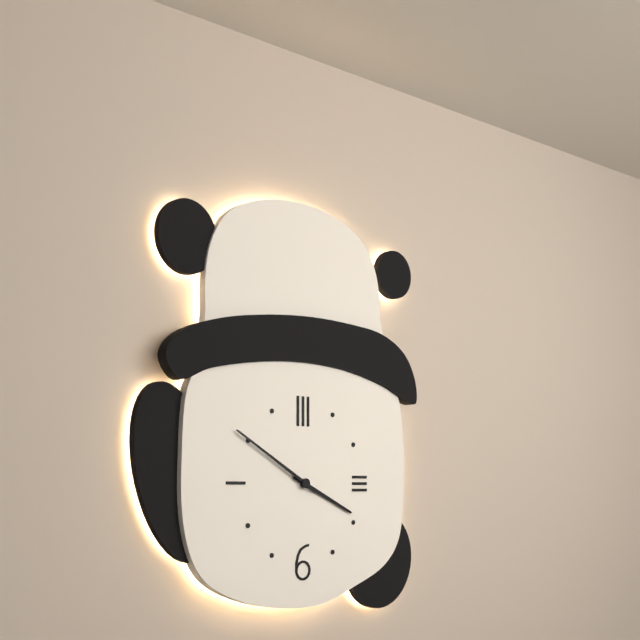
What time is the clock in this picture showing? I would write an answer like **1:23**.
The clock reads **3:50**
